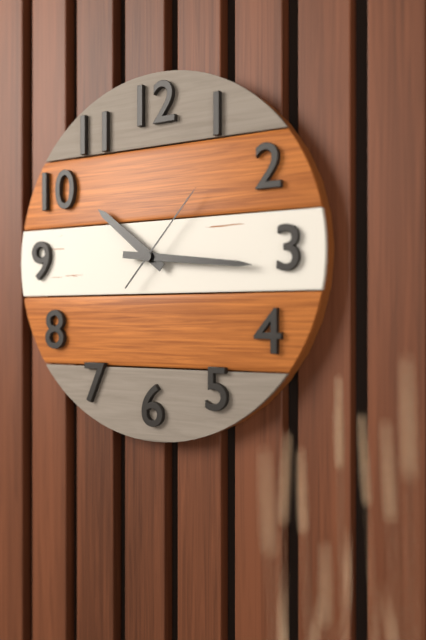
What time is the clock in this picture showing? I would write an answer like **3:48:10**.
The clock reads **10:16:07**
